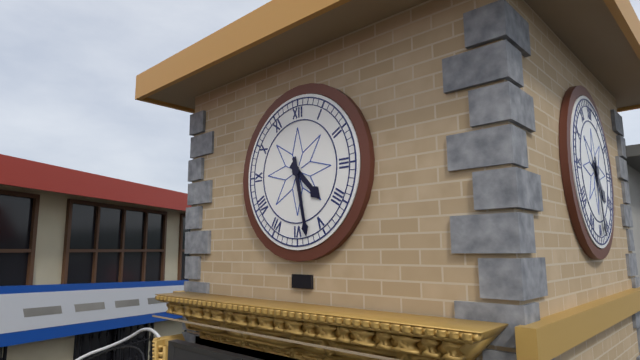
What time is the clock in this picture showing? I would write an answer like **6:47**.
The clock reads **4:28**
